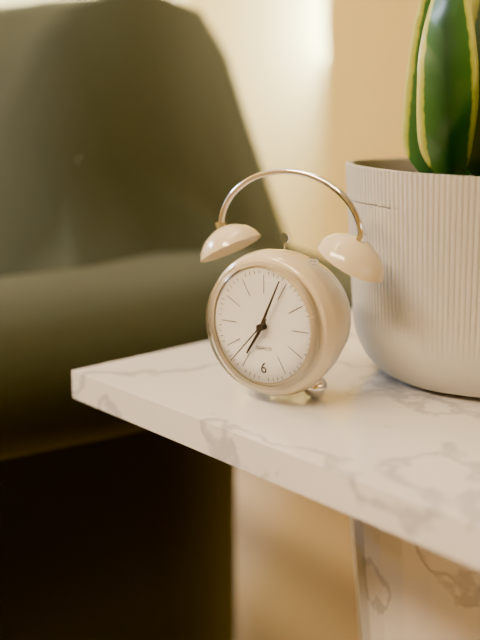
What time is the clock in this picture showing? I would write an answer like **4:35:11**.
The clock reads **7:04:37**
